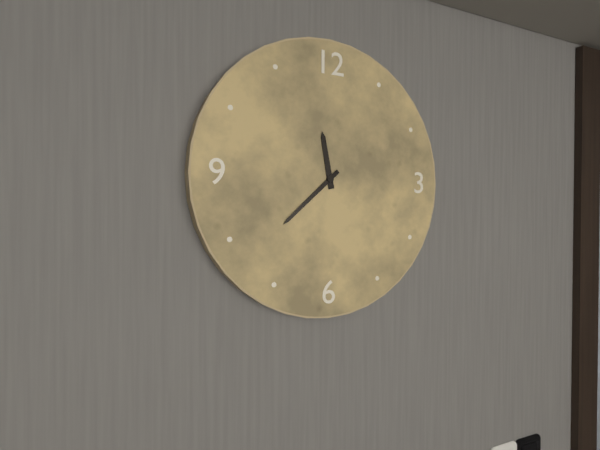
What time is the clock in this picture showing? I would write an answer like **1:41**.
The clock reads **11:38**
